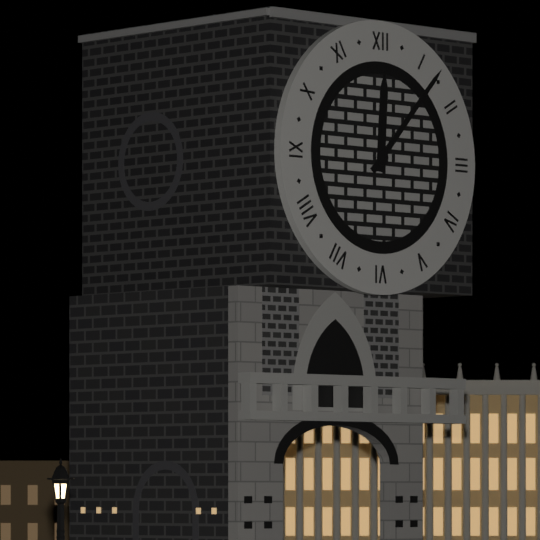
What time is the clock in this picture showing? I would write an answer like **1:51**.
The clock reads **12:07**
